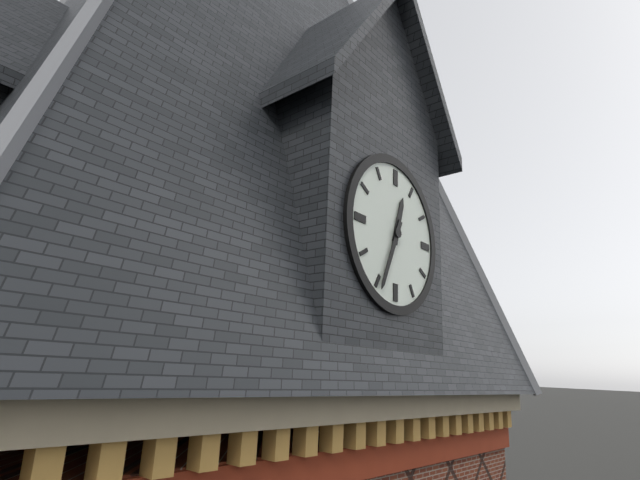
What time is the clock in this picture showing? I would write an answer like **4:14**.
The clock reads **12:34**
